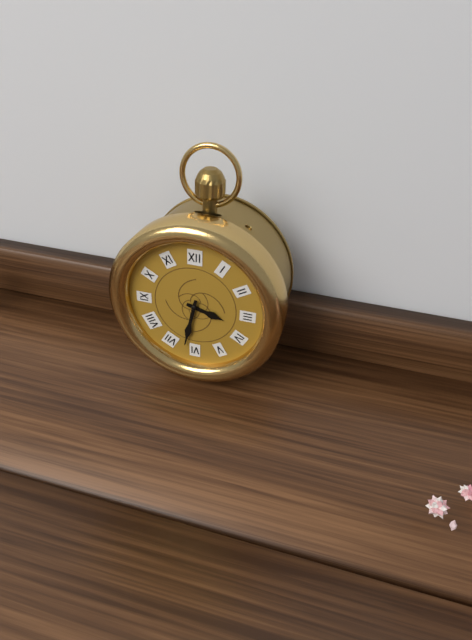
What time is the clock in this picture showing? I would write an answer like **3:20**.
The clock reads **3:32**
